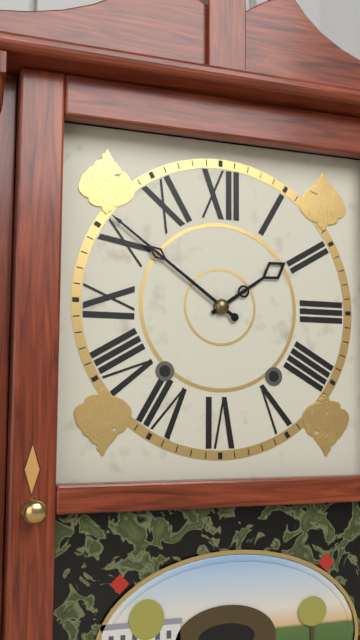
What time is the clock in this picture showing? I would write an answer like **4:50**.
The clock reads **1:51**
